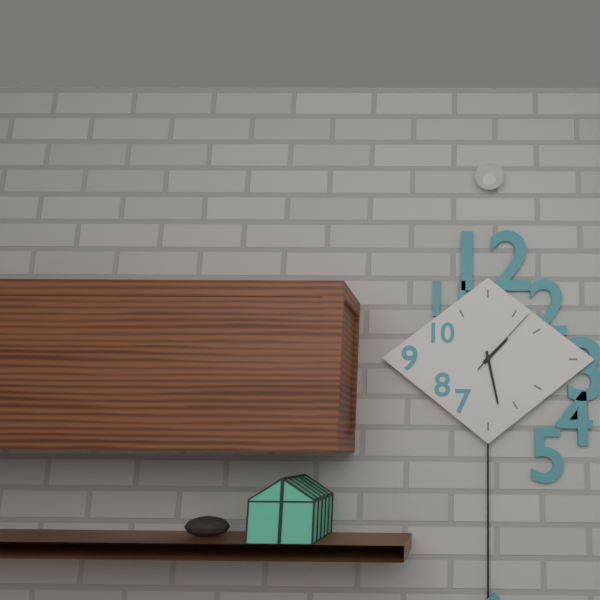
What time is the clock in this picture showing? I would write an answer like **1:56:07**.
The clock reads **1:28:07**
